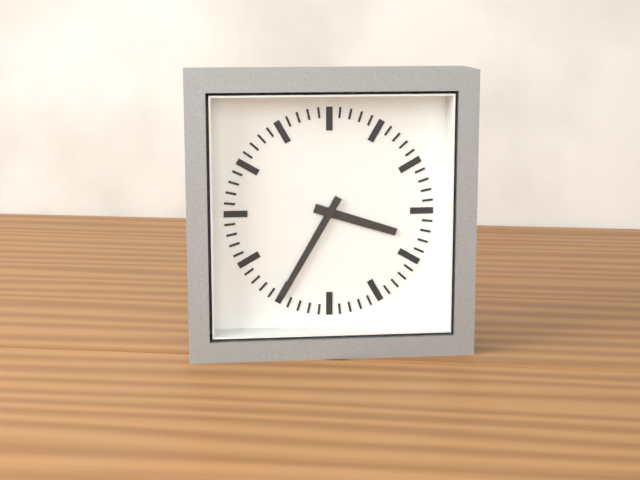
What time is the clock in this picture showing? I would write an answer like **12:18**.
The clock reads **3:35**
